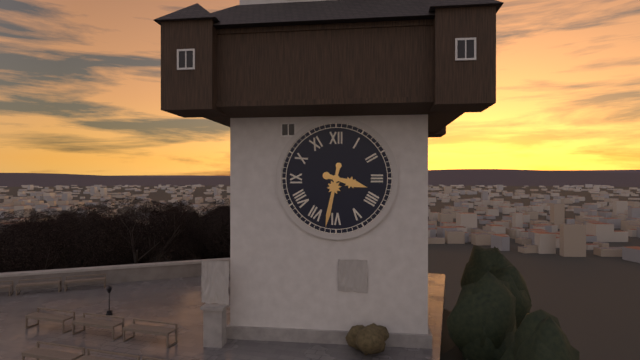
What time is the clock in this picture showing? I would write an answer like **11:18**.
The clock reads **3:32**
